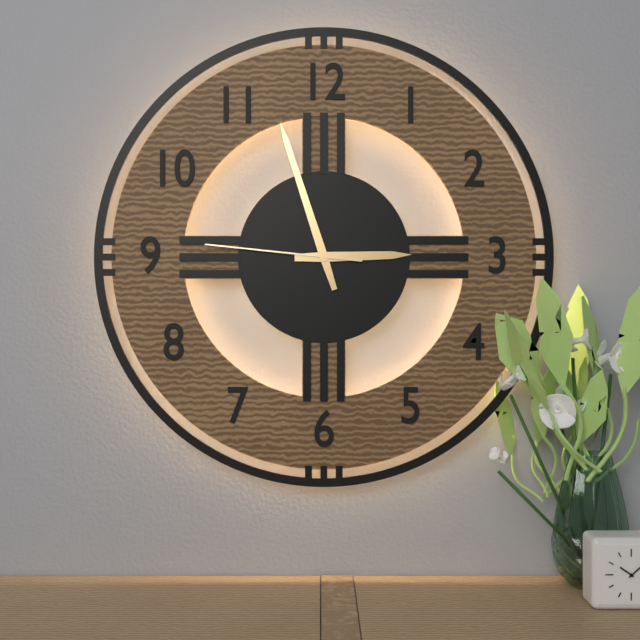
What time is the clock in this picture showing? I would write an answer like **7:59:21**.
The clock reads **2:57:46**
